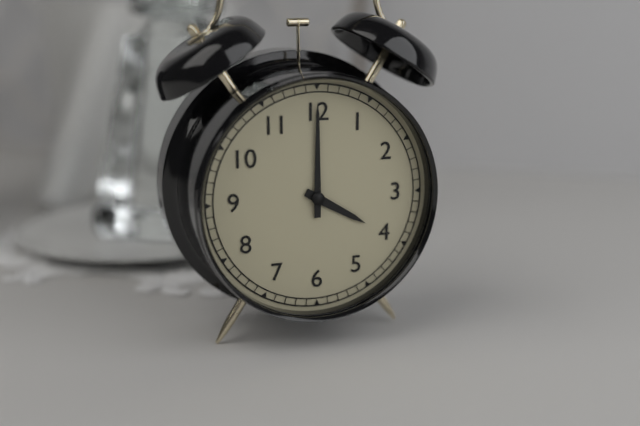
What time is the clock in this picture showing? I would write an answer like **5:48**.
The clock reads **4:00**
